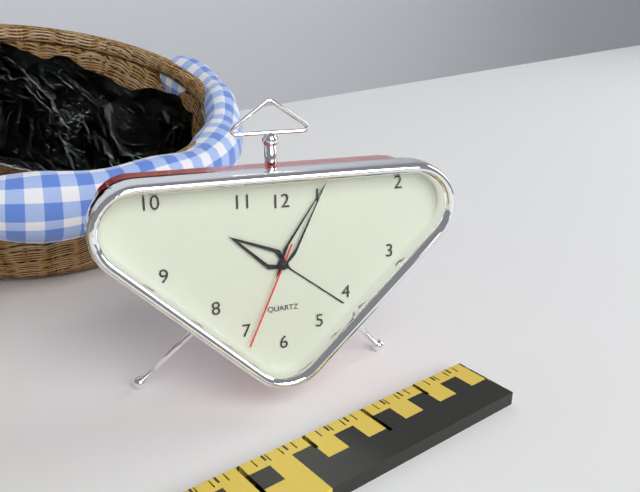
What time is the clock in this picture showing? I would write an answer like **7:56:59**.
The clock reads **10:05:34**
